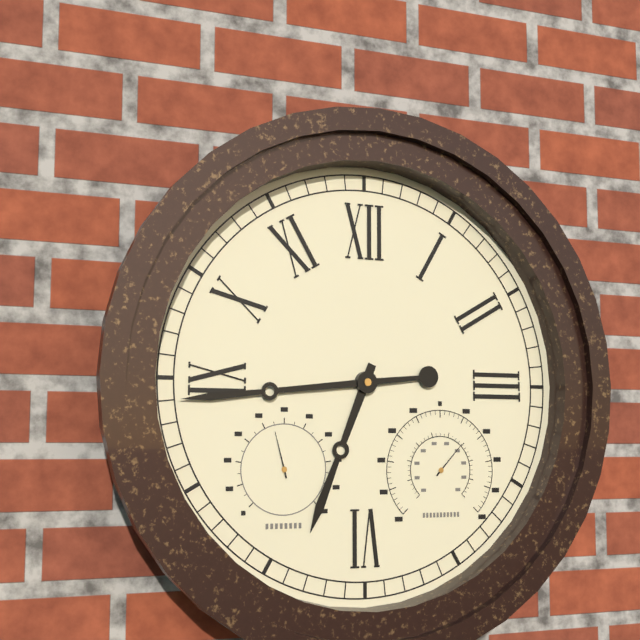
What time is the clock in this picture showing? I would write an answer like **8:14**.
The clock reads **6:44**
